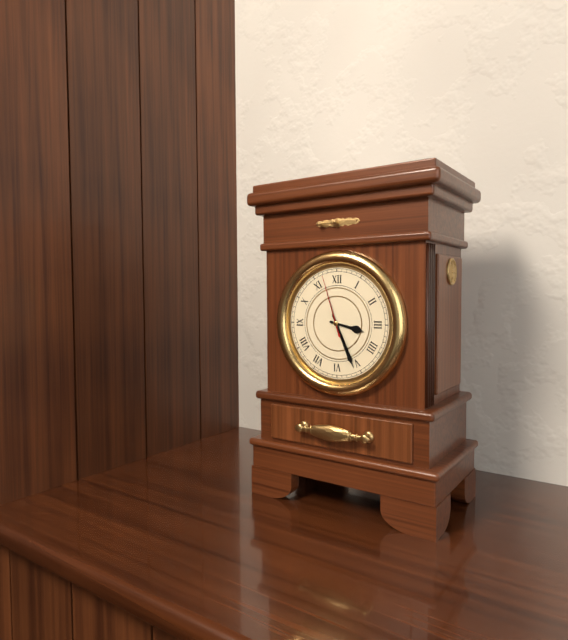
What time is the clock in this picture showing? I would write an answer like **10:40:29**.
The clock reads **3:26:57**
